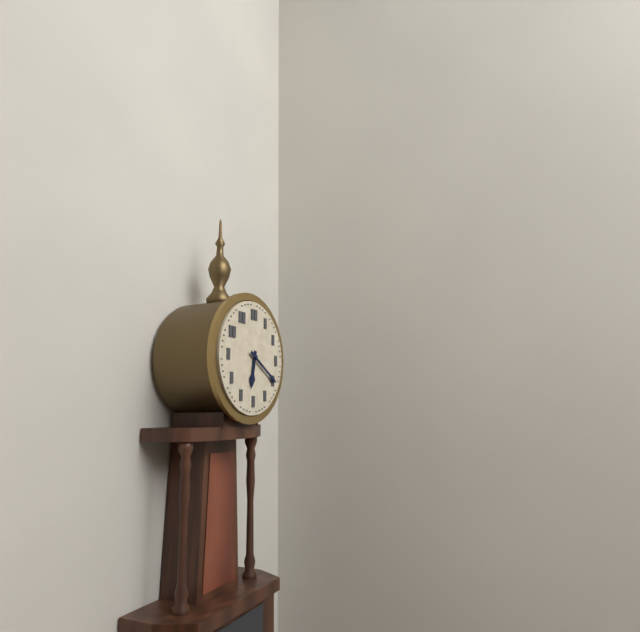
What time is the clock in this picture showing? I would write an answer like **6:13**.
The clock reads **6:20**
